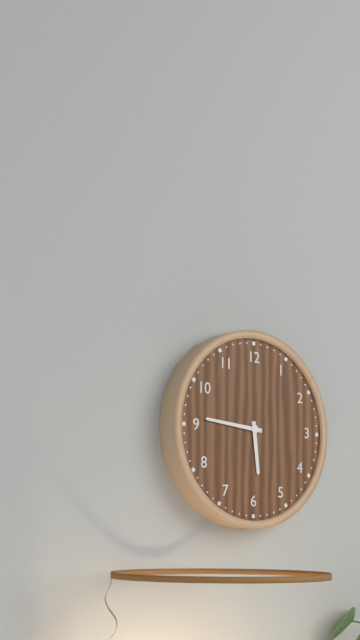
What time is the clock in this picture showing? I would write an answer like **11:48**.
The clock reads **5:46**
